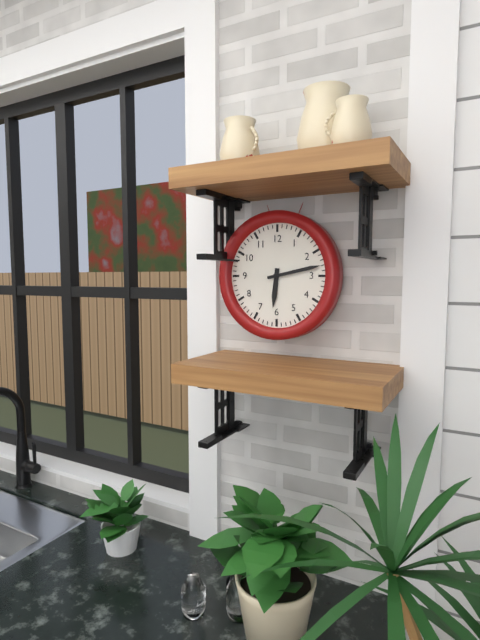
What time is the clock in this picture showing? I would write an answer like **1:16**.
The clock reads **6:13**
